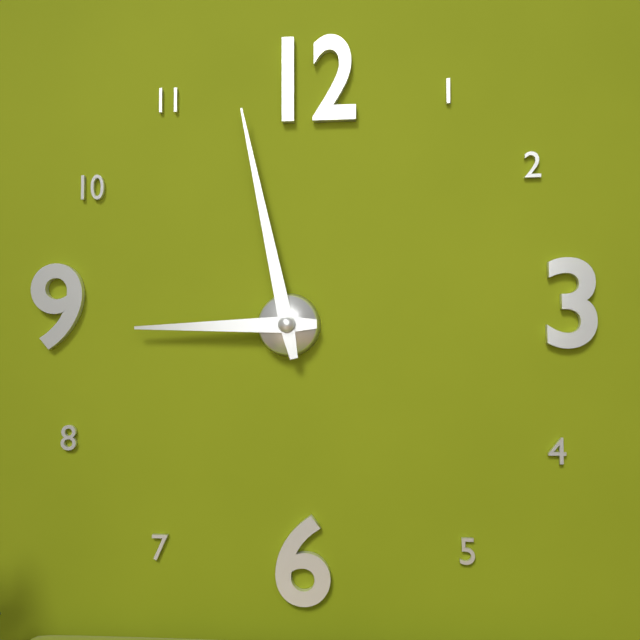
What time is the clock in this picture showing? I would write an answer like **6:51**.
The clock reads **8:58**
